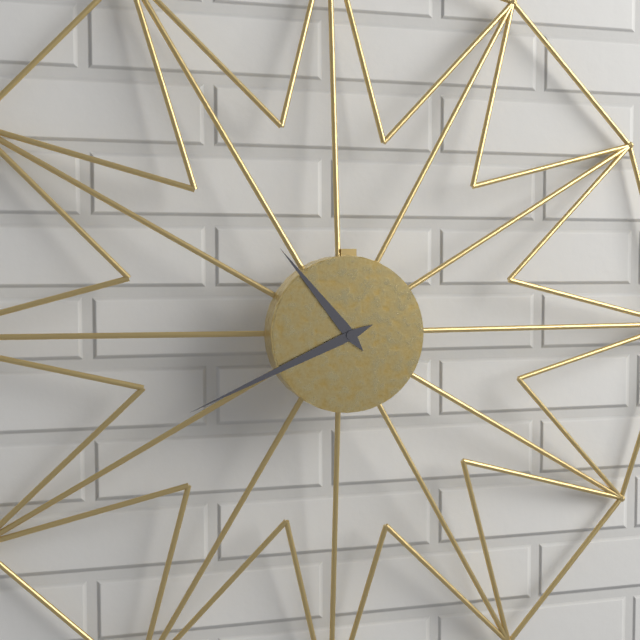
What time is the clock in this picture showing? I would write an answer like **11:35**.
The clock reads **10:41**
